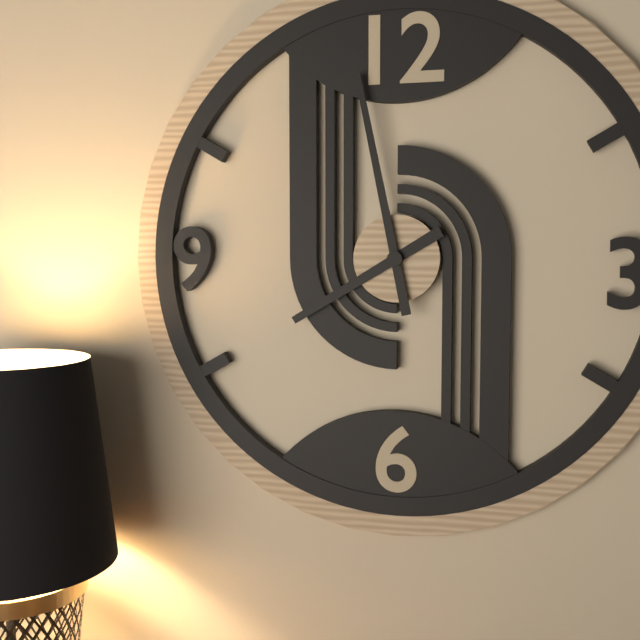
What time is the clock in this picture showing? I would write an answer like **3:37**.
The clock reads **7:58**
